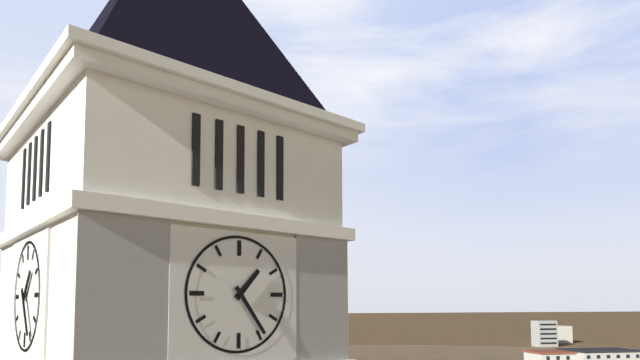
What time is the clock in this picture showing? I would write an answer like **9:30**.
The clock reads **1:24**
